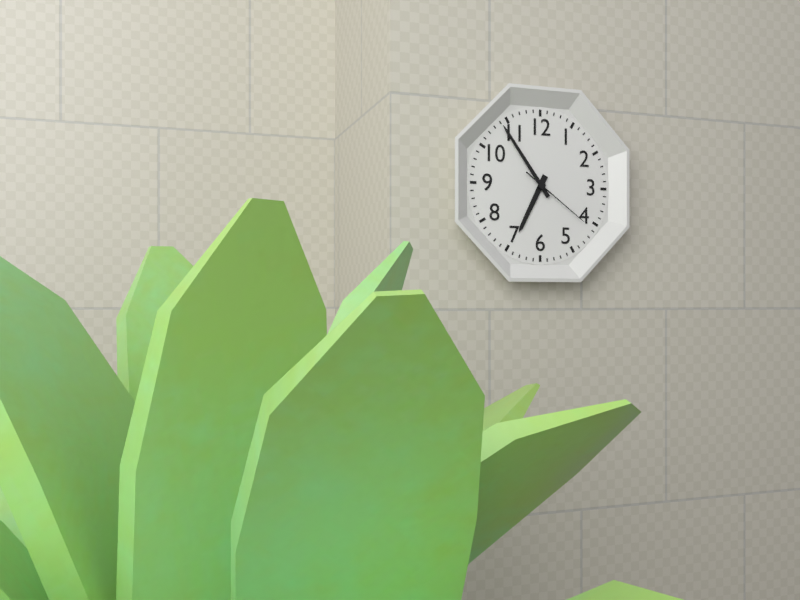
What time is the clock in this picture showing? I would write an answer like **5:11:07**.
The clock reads **6:54:21**
